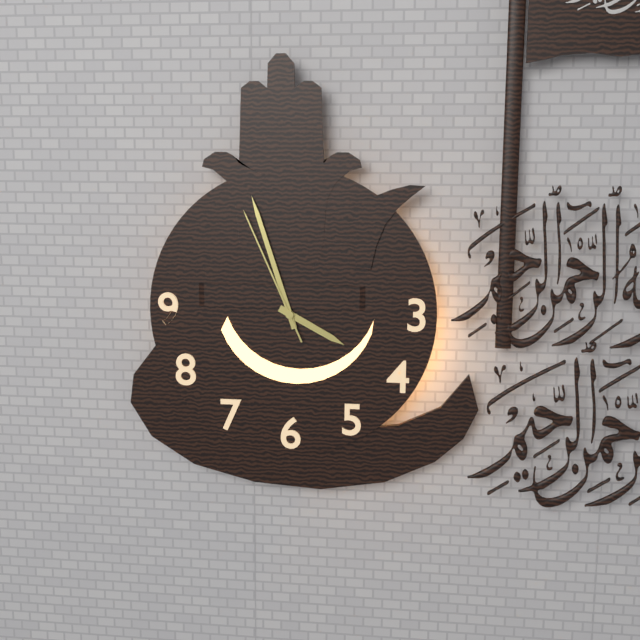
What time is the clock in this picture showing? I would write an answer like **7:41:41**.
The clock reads **3:57:56**
